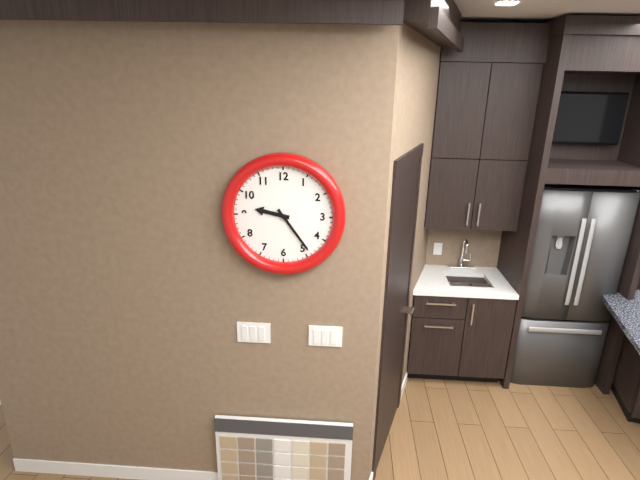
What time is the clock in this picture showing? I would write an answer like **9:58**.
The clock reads **9:24**
